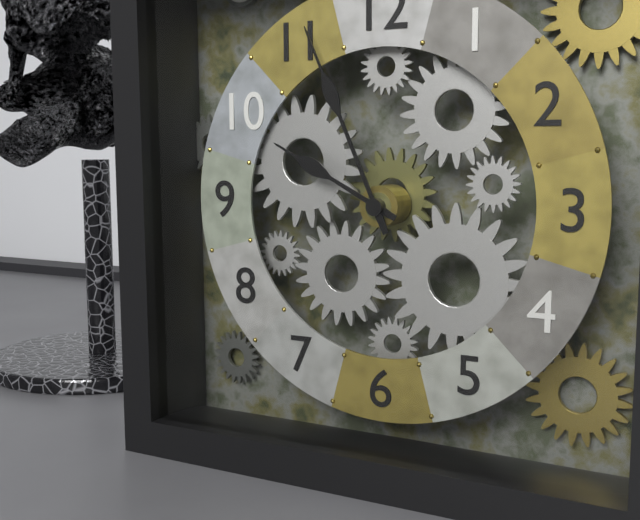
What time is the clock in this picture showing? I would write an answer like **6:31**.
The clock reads **9:56**
